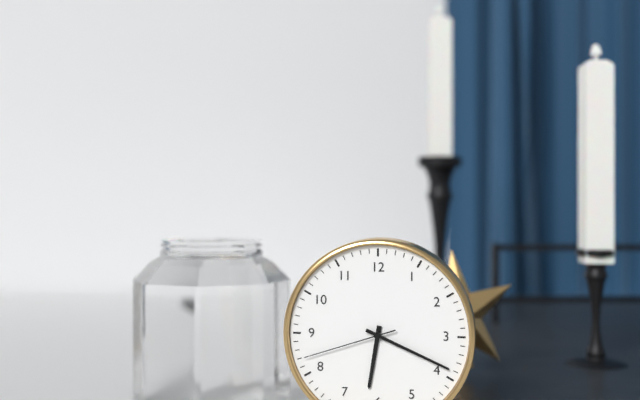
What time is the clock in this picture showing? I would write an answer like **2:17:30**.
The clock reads **6:19:42**
